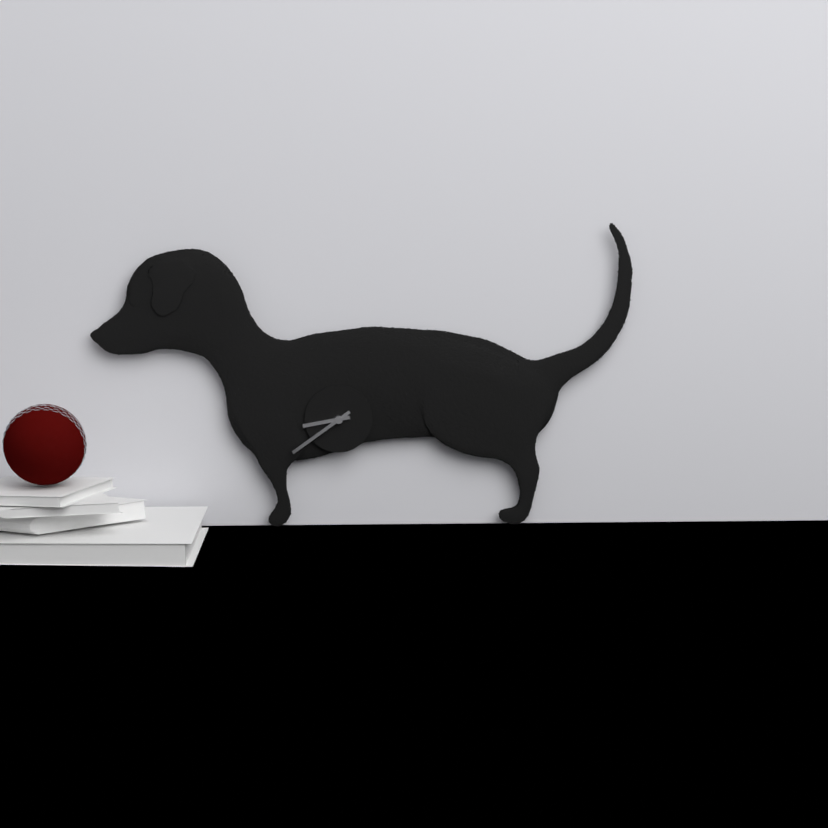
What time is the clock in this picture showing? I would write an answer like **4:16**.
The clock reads **8:39**
